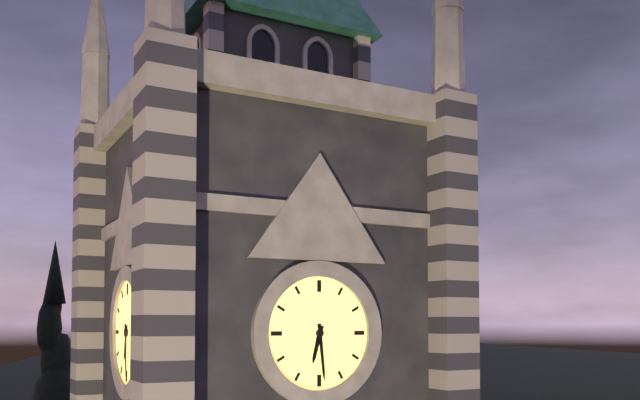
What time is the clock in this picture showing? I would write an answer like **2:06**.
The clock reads **6:29**
